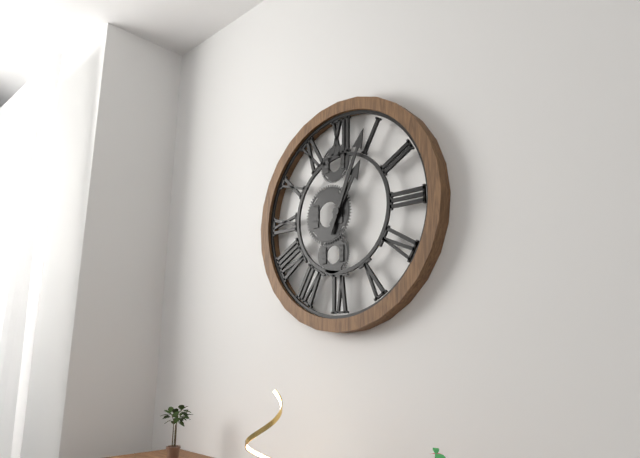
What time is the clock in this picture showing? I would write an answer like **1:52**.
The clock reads **1:04**
